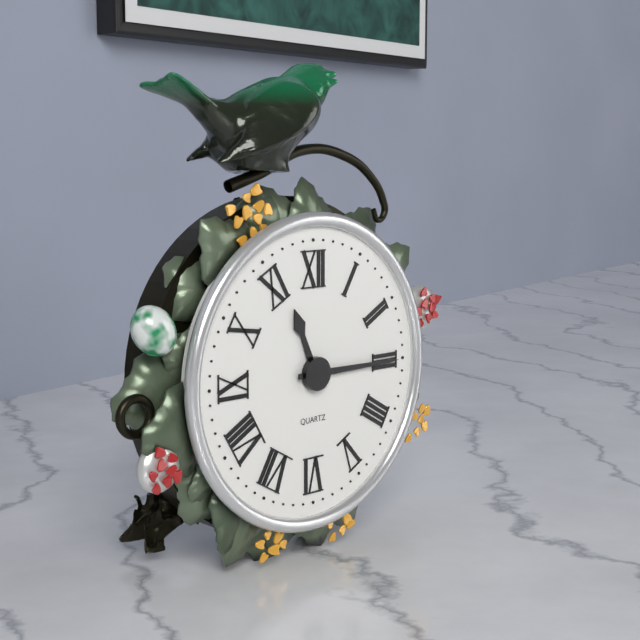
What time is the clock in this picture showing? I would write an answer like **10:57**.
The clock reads **11:15**
